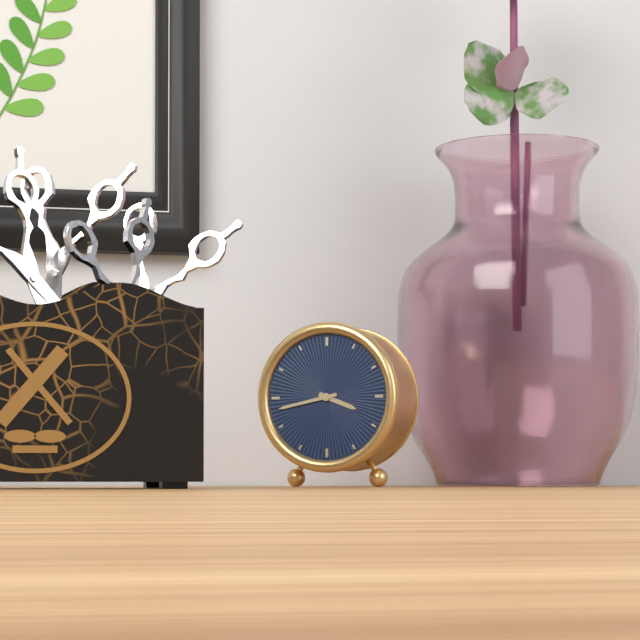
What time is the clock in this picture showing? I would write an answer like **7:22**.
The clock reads **3:43**
